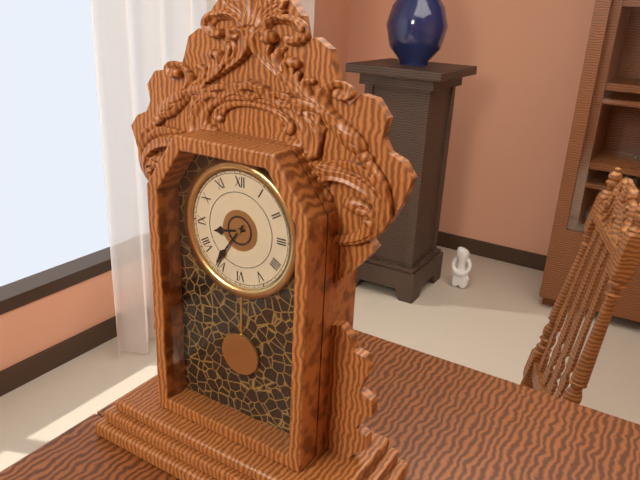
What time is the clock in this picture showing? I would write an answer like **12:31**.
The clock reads **8:36**
